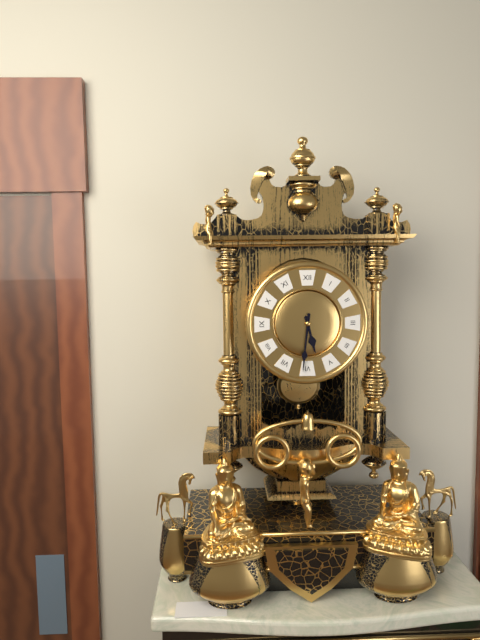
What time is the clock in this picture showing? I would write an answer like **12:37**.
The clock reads **5:31**
